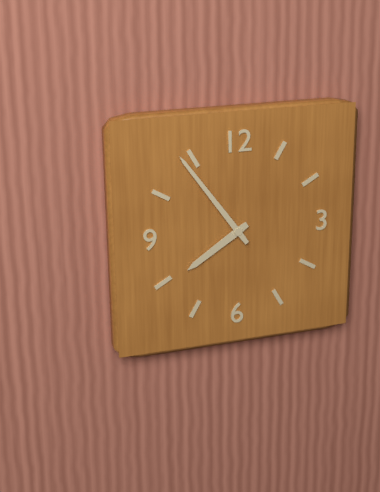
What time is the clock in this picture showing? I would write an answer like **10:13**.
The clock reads **7:54**
